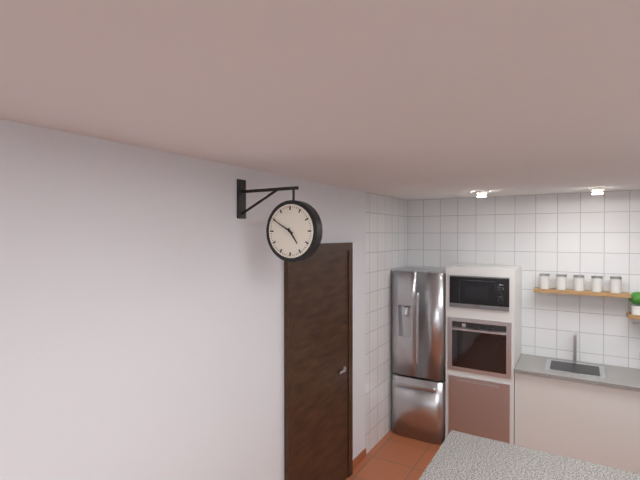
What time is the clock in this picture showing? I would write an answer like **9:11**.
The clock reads **4:50**
